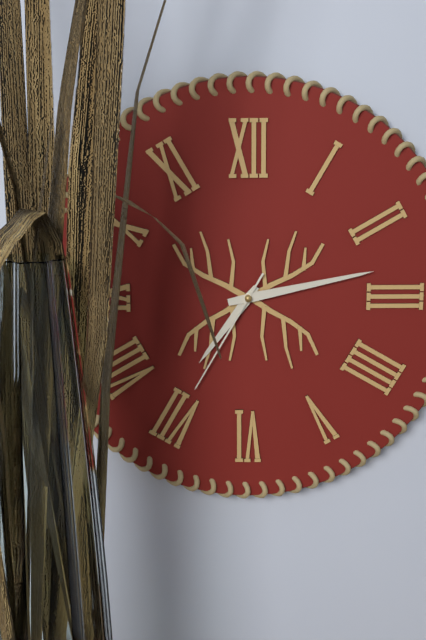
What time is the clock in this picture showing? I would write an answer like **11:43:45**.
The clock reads **7:13:35**
